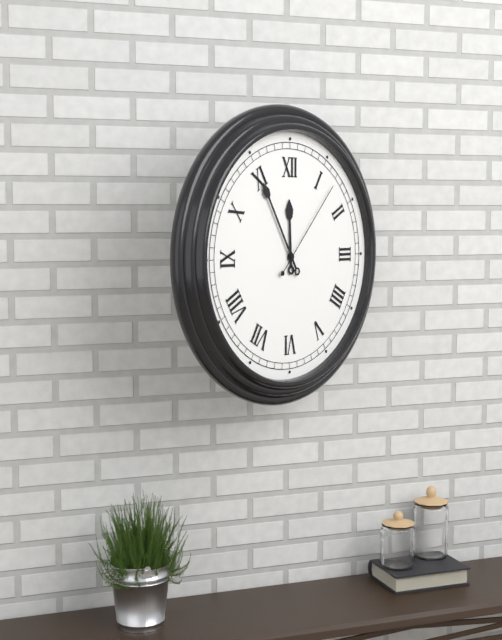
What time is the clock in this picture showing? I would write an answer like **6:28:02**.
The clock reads **11:55:07**
